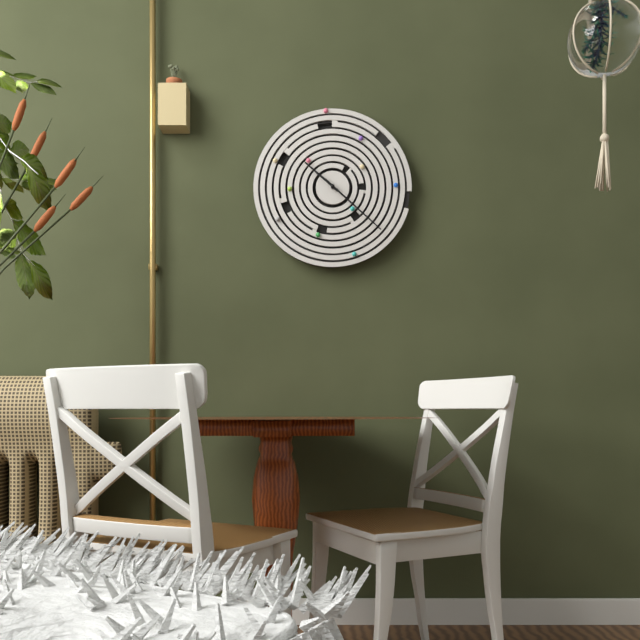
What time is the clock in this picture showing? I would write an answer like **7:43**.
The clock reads **10:22**
